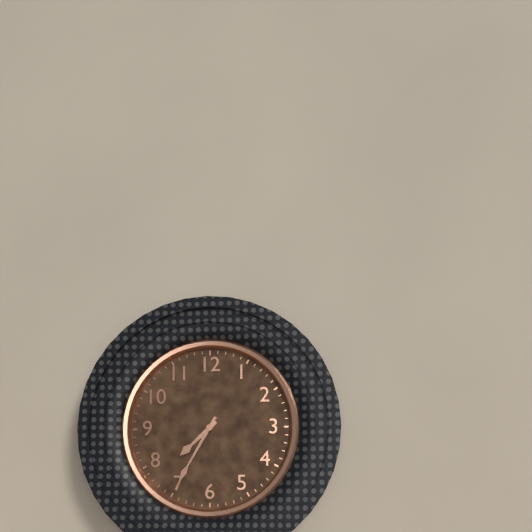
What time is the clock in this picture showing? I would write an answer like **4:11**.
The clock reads **7:35**
